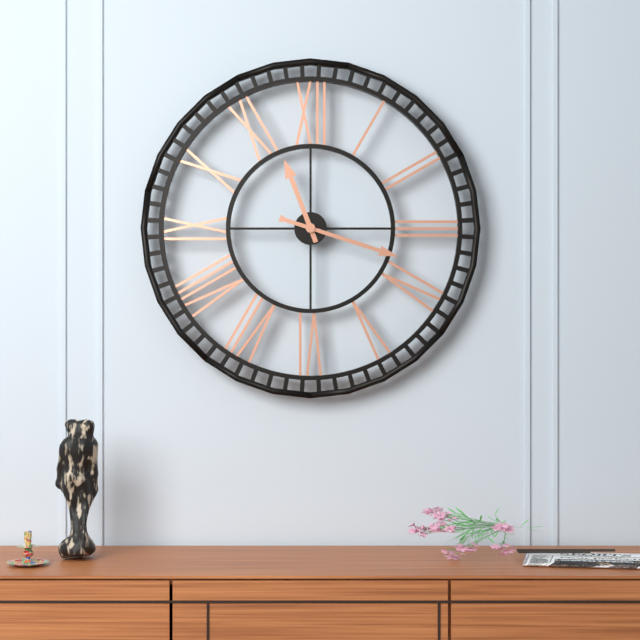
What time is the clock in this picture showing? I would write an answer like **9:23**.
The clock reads **11:18**
